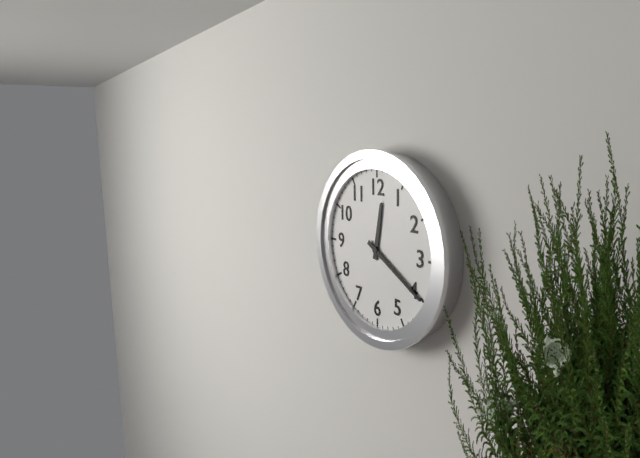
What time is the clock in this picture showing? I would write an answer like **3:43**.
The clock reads **12:20**
